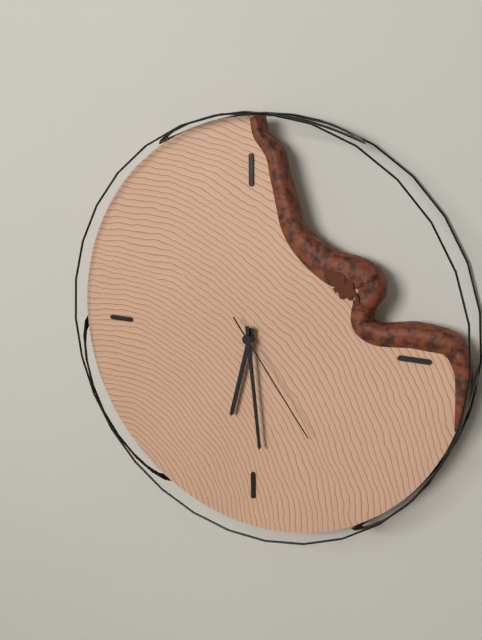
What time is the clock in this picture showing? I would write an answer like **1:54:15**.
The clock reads **6:29:24**
